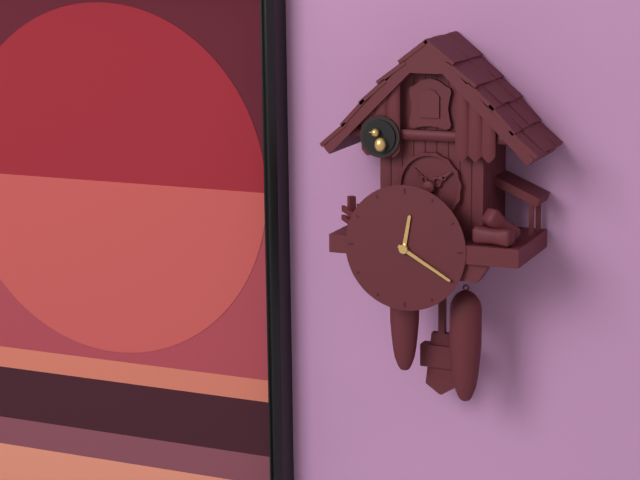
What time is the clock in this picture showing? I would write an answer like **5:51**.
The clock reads **12:20**
